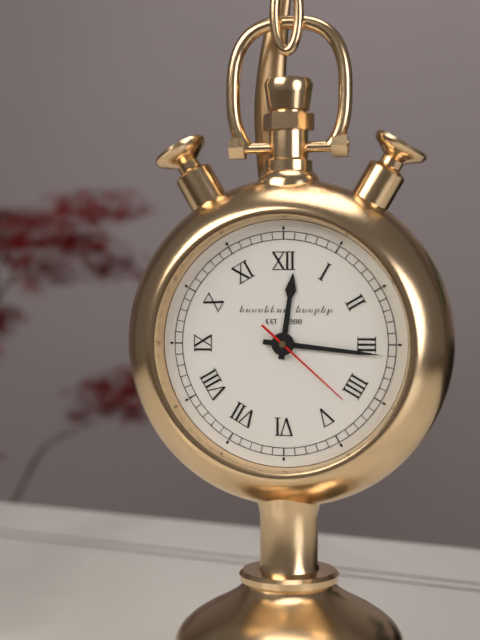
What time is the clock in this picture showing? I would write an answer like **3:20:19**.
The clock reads **12:16:22**
